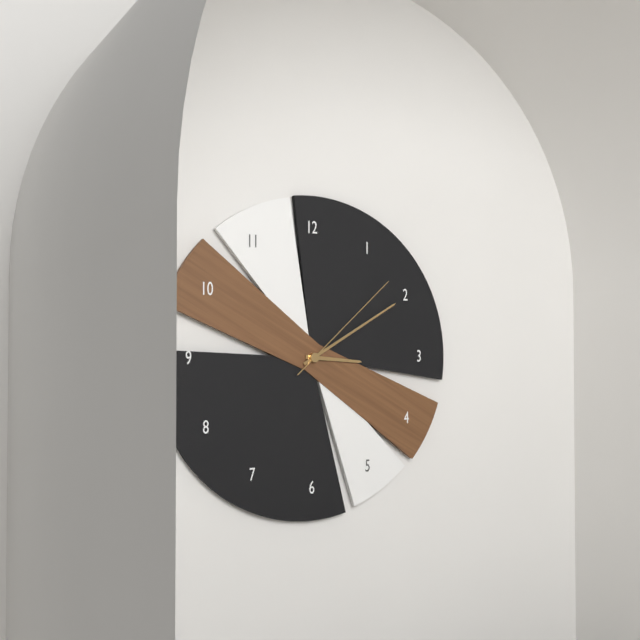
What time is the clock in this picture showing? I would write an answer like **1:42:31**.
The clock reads **3:10:08**
